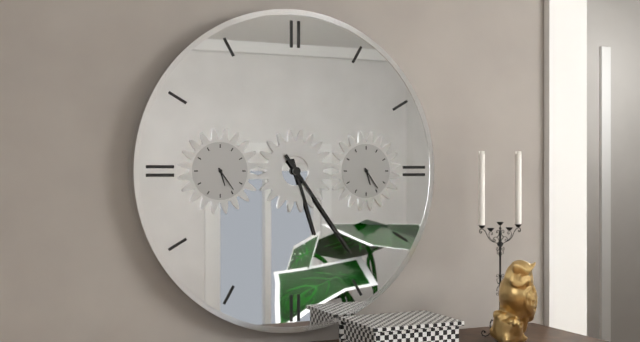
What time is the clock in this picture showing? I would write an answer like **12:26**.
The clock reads **5:24**
